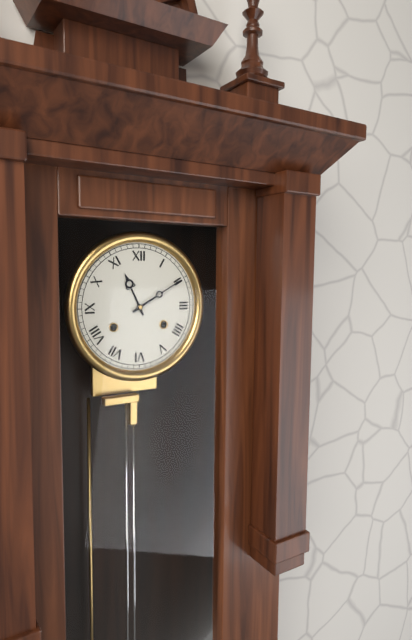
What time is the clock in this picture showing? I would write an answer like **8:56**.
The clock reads **11:10**
